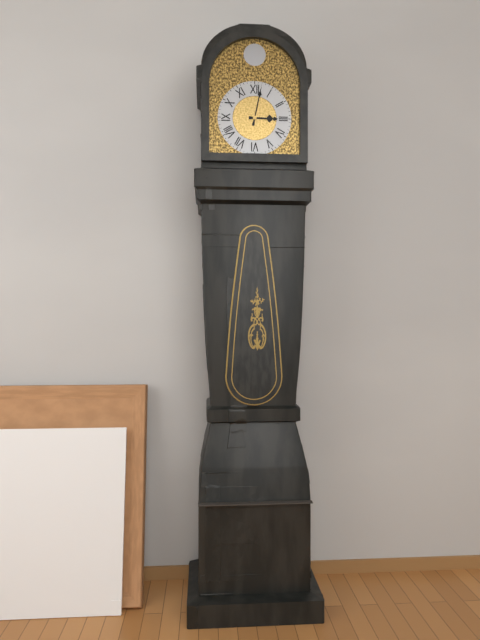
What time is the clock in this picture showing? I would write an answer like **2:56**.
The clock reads **3:02**
